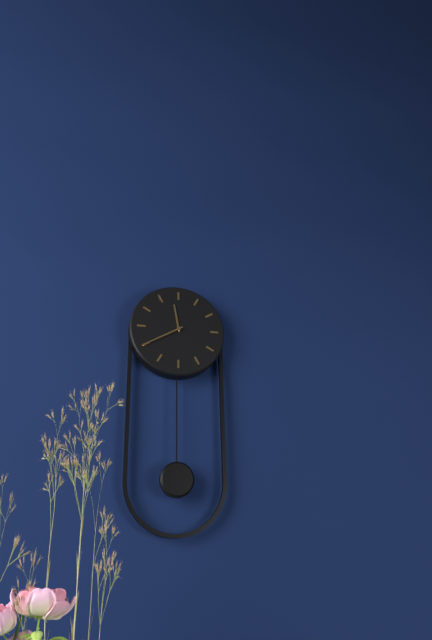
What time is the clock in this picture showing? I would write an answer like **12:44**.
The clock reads **11:40**
